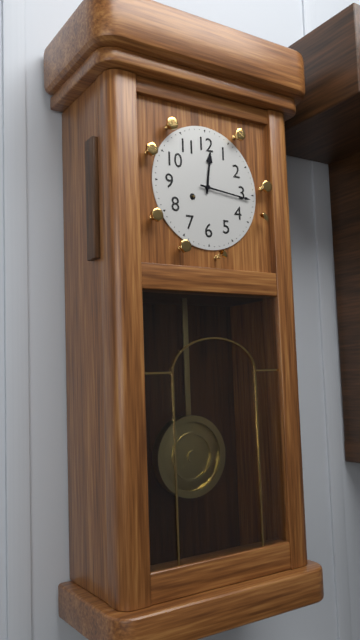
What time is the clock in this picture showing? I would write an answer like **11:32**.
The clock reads **12:16**
